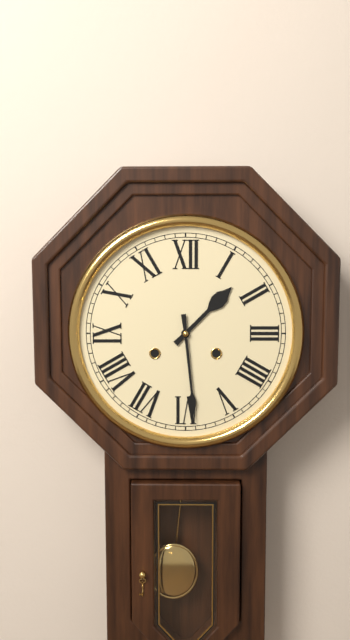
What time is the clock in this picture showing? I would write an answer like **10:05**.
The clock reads **1:29**
